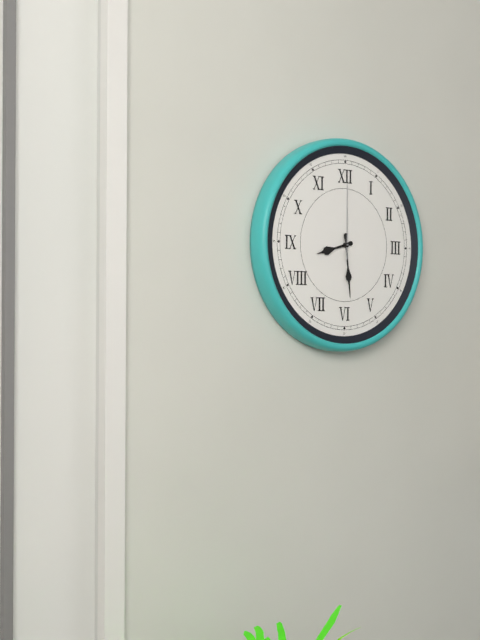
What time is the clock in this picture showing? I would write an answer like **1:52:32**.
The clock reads **8:29:00**
